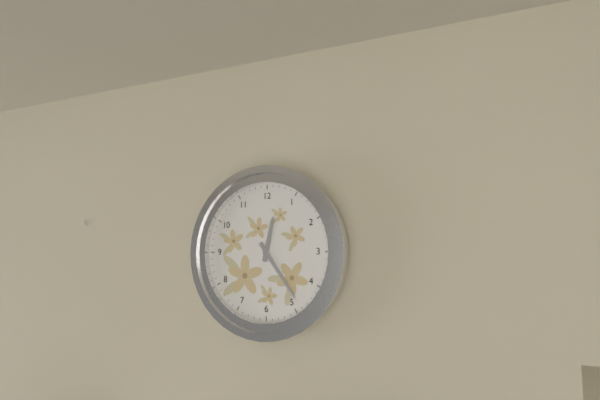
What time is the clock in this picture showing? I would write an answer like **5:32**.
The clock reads **12:24**
